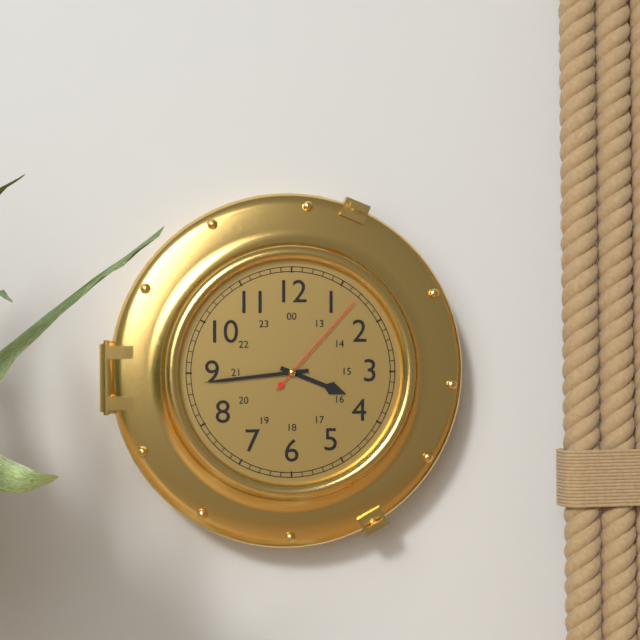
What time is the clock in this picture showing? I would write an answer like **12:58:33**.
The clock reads **3:44:07**
